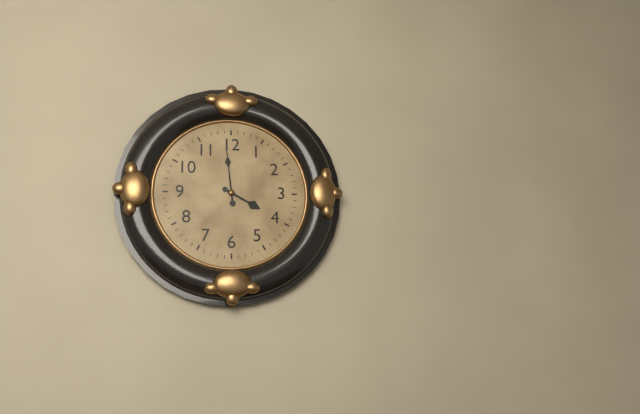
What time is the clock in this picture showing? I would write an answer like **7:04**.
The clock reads **3:59**
